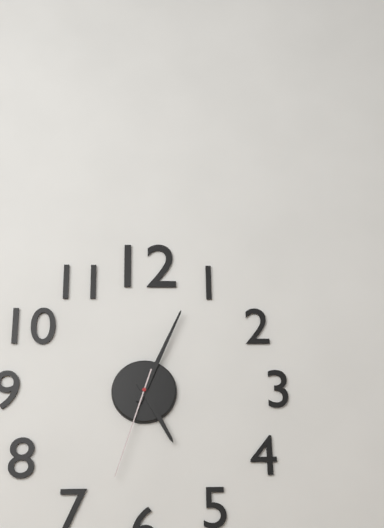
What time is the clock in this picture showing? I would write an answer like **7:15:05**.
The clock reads **5:04:33**
